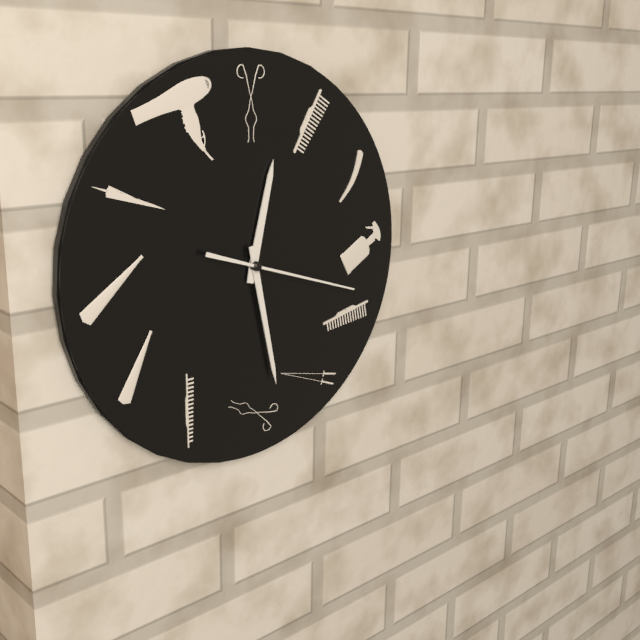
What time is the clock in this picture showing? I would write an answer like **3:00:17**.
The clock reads **12:28:18**
